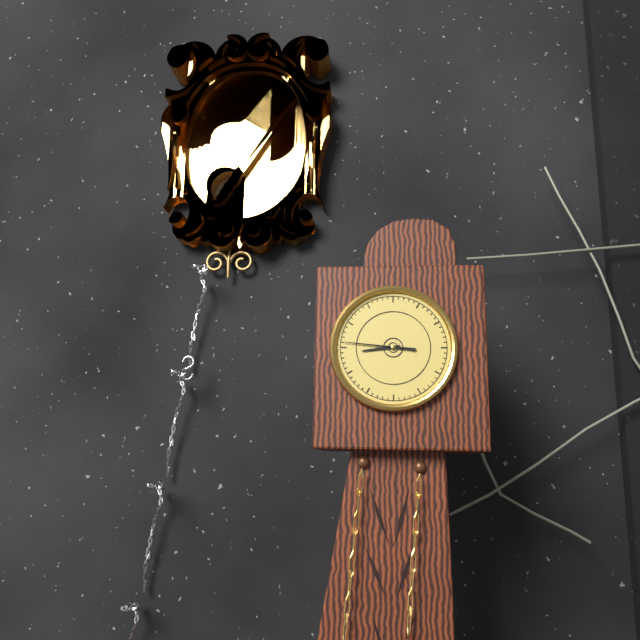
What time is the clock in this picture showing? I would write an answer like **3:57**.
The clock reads **8:46**
